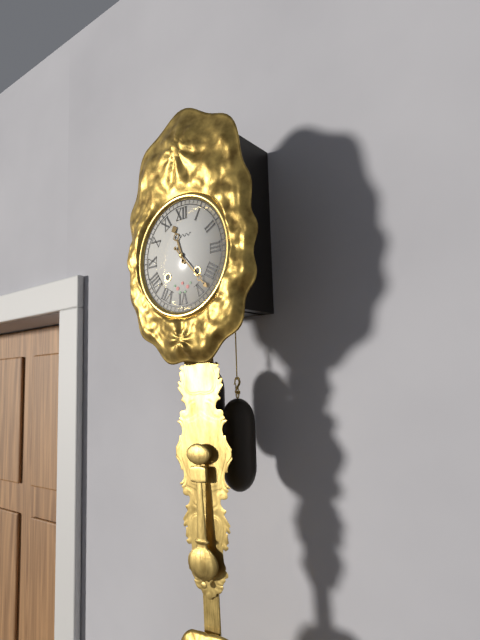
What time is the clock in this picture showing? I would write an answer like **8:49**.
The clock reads **11:23**
